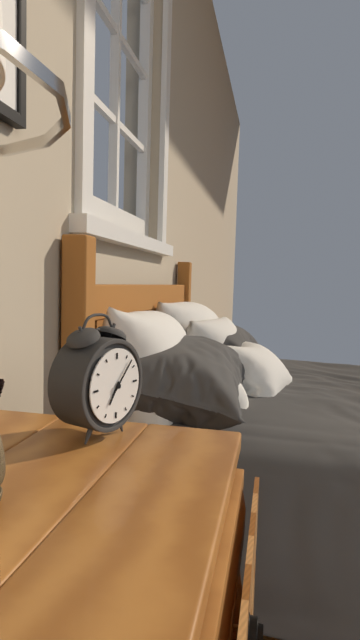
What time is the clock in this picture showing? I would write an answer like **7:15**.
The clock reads **7:07**
